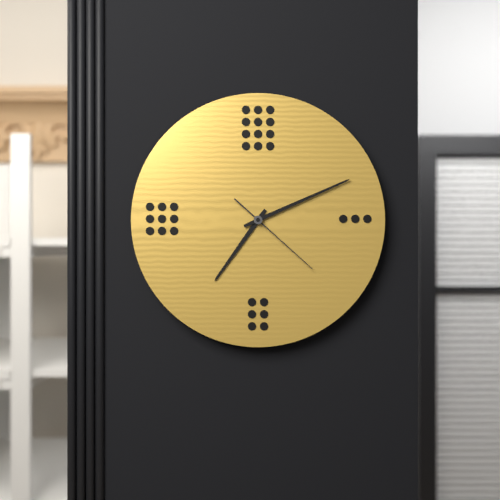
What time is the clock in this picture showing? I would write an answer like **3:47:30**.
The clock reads **7:11:22**
